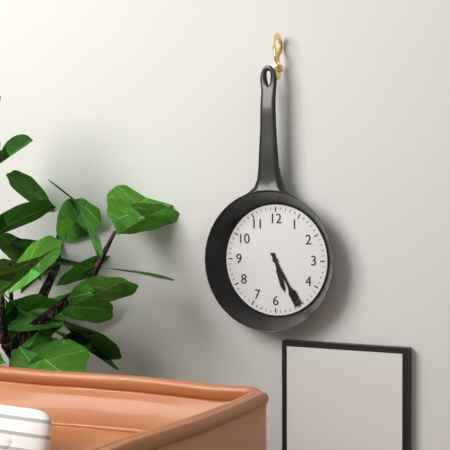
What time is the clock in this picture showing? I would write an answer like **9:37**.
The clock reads **5:25**
